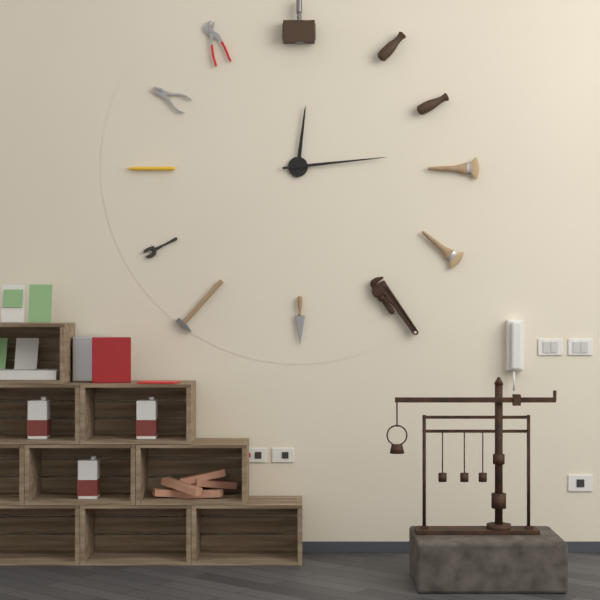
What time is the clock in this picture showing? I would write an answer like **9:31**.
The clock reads **12:14**
